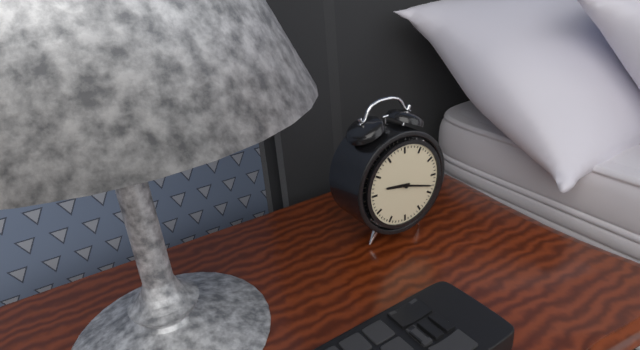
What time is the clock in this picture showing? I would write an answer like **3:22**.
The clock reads **9:18**
